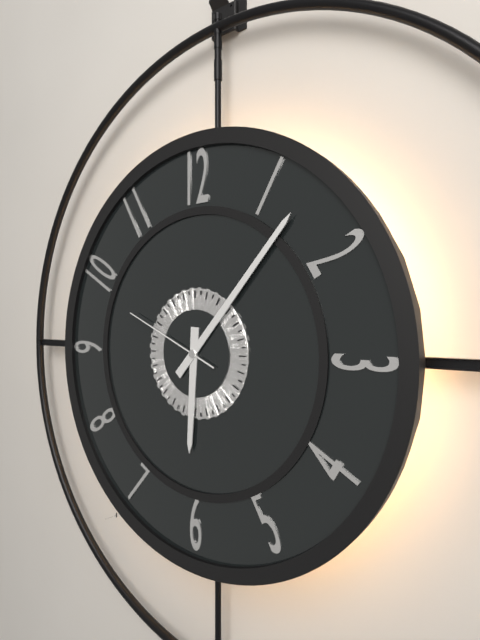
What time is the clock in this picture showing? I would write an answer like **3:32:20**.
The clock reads **6:07:49**
